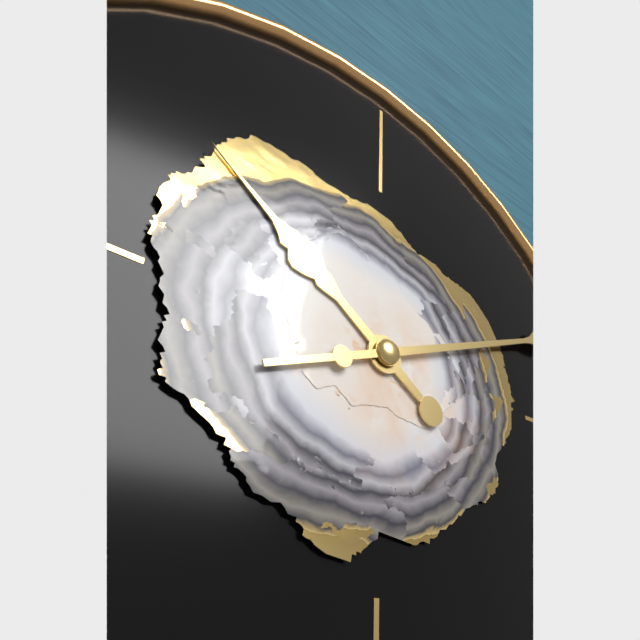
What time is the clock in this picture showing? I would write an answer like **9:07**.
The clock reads **10:11**
